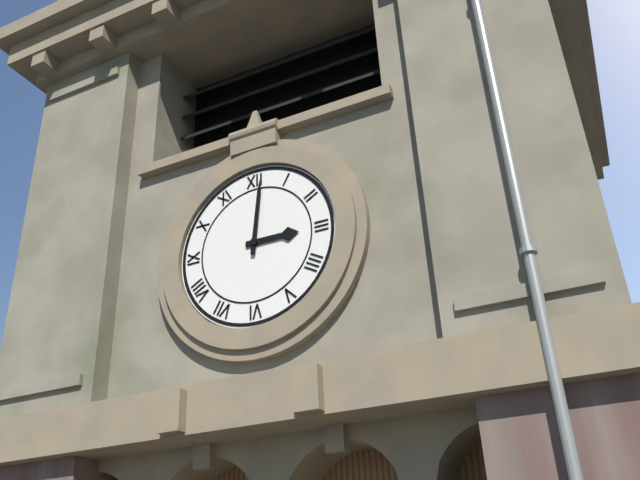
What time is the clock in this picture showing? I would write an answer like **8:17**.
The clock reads **3:01**
